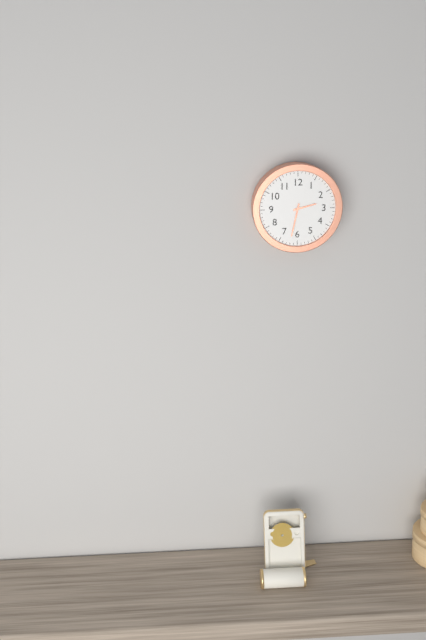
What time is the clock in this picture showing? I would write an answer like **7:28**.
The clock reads **2:32**
